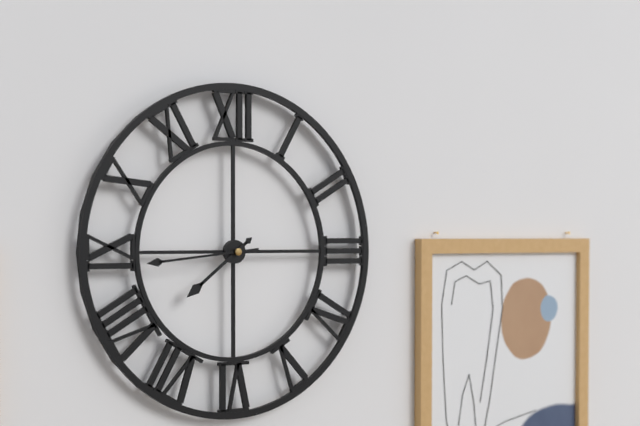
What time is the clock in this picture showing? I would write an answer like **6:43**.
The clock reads **7:44**
